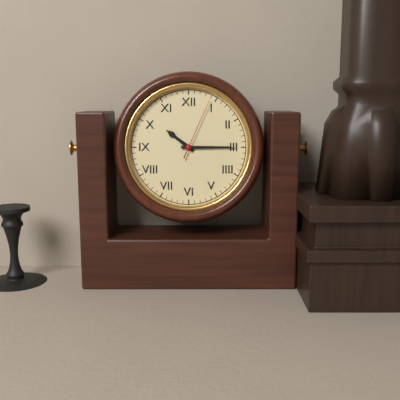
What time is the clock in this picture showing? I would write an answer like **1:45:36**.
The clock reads **10:15:04**
